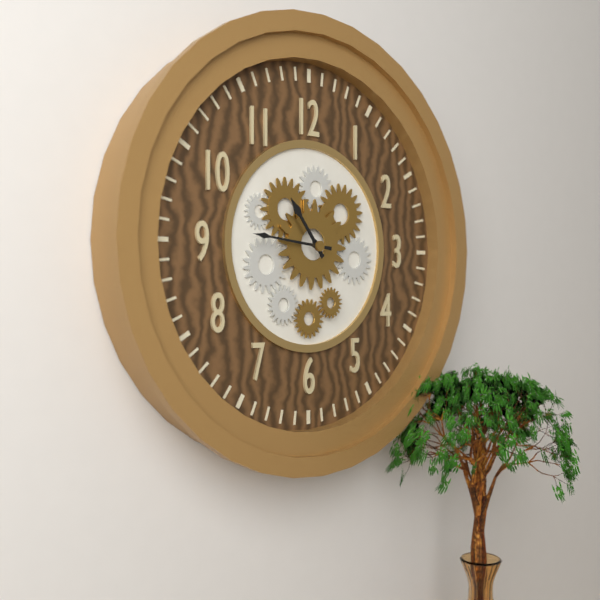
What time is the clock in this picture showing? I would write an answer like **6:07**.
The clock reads **10:46**
